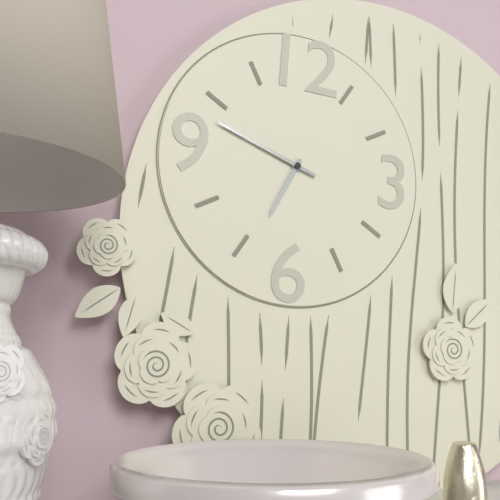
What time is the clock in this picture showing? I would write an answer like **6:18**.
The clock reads **6:48**
